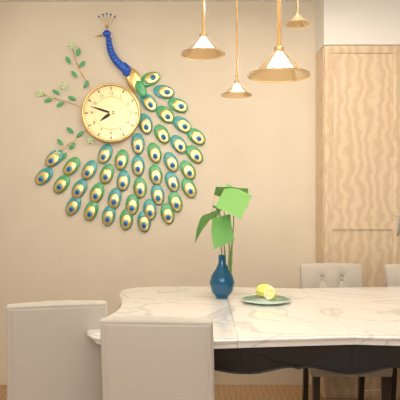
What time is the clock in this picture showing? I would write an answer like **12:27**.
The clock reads **7:48**
